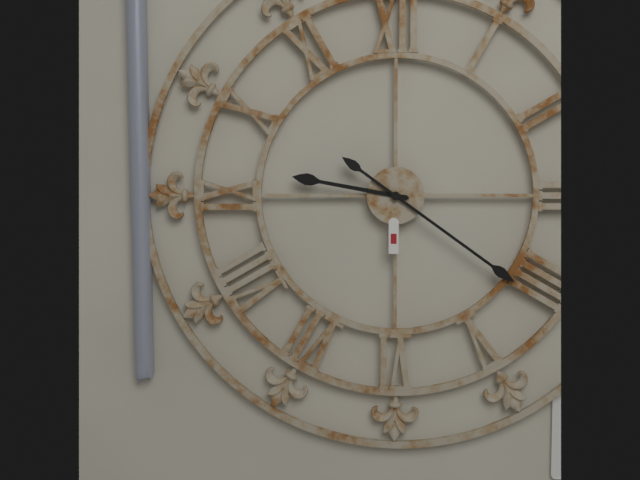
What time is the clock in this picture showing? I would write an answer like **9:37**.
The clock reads **9:21**
